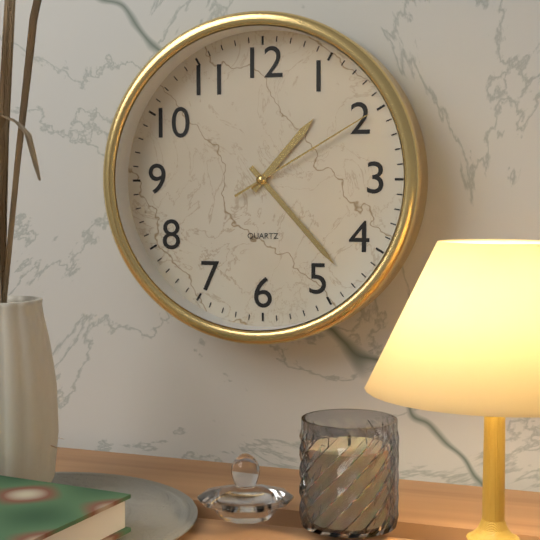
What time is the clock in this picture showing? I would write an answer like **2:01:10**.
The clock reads **1:23:10**
